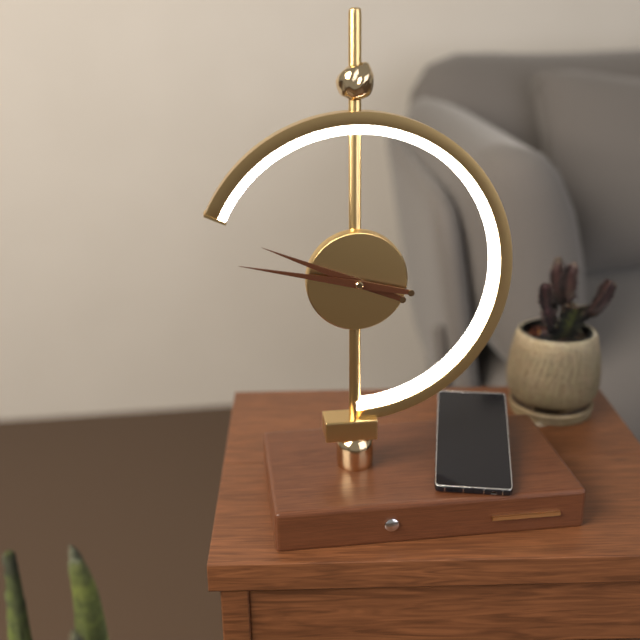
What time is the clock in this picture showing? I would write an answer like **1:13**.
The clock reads **9:47**
